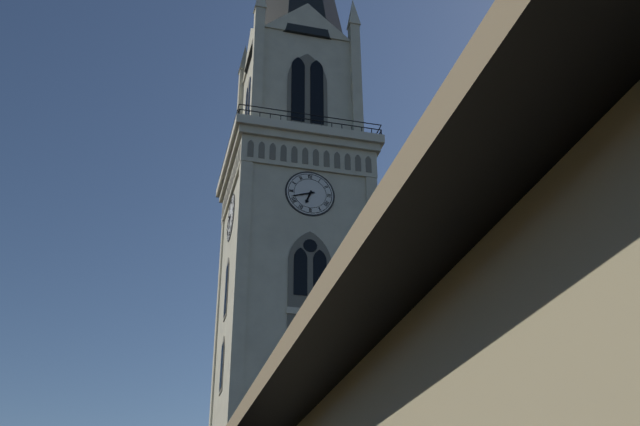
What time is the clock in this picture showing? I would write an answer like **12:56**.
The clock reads **6:42**
